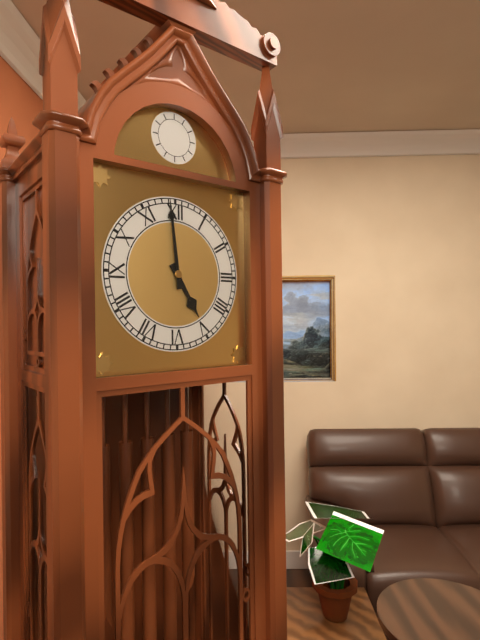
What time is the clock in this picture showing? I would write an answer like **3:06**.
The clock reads **4:59**
